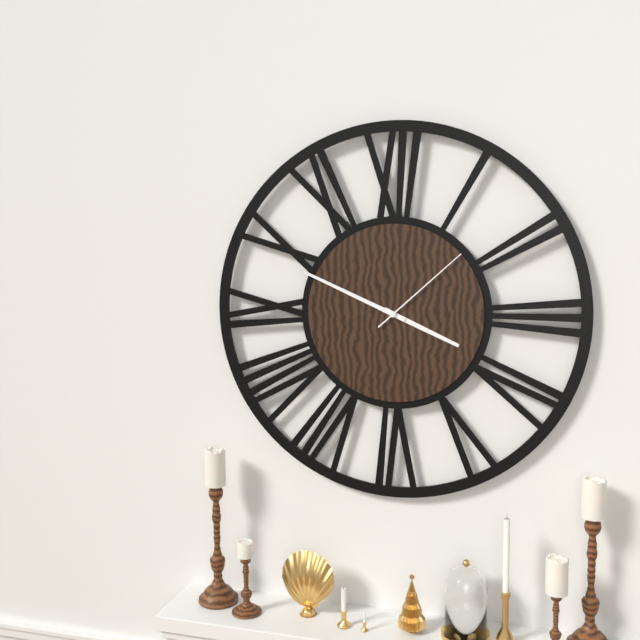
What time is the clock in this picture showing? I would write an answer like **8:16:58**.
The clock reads **3:49:08**
